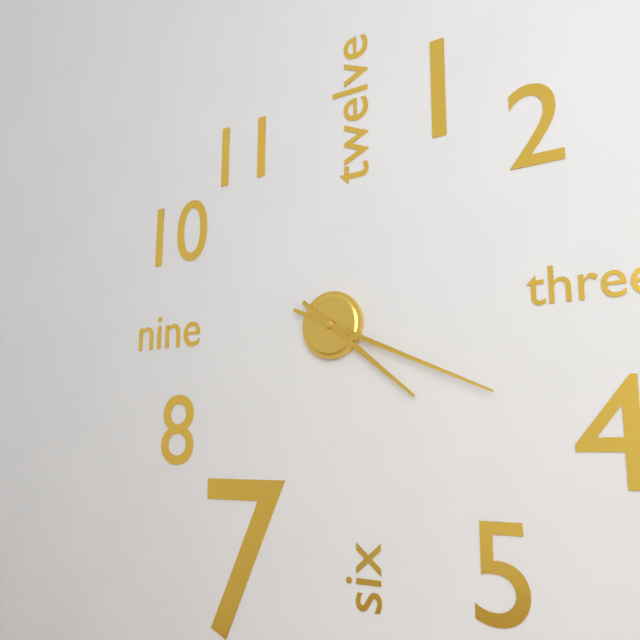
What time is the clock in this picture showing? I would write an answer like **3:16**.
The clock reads **4:19**
